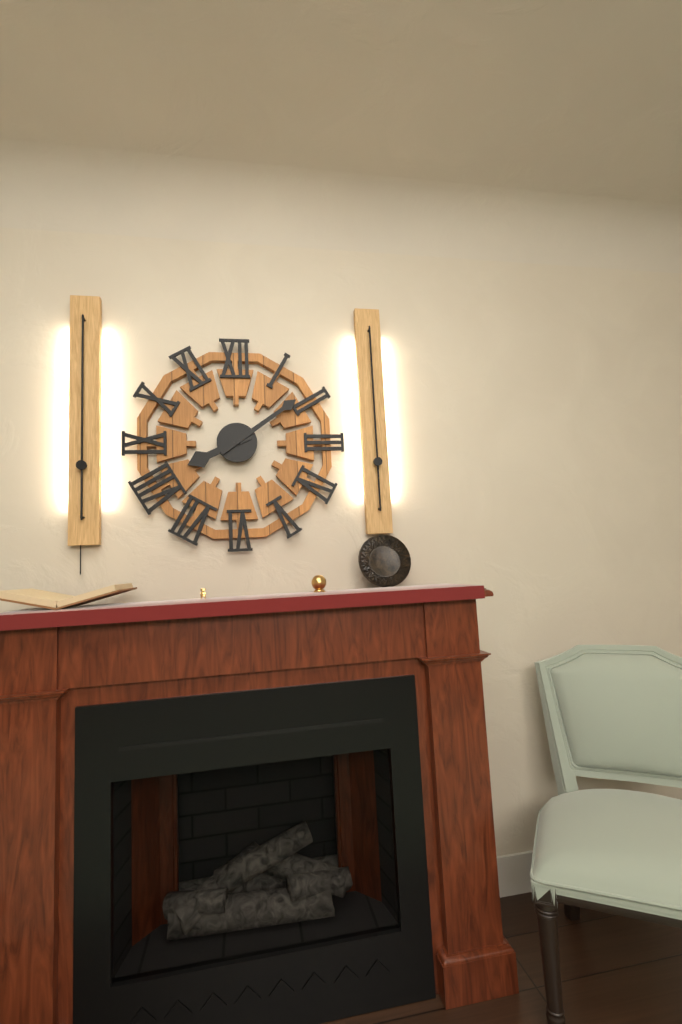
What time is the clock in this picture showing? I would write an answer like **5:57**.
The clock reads **8:09**
